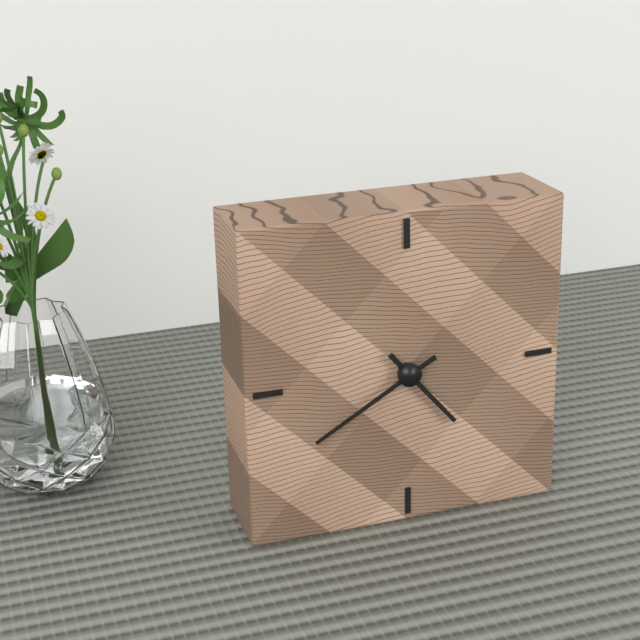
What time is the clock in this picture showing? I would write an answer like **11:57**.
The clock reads **4:40**
